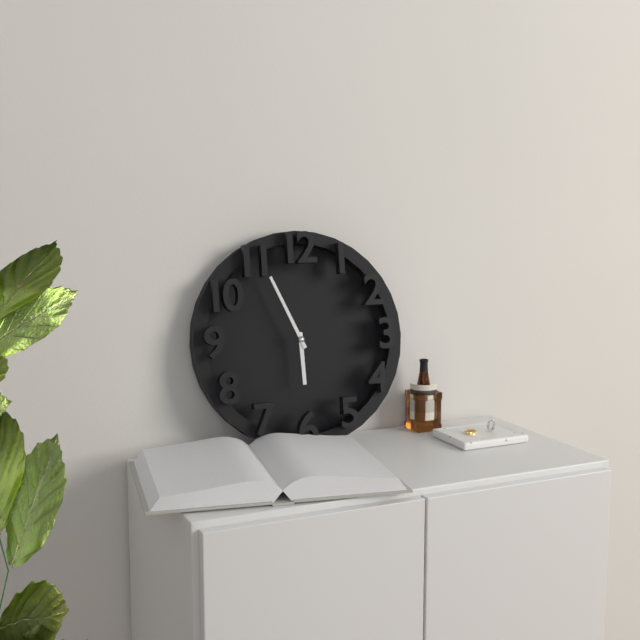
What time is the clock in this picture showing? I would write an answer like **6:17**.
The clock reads **5:56**
